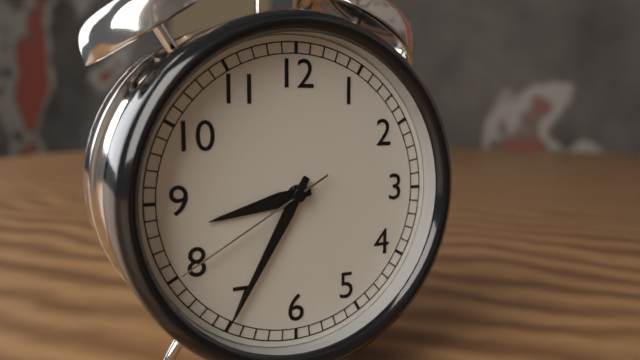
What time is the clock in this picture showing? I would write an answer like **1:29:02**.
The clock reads **8:35:40**
